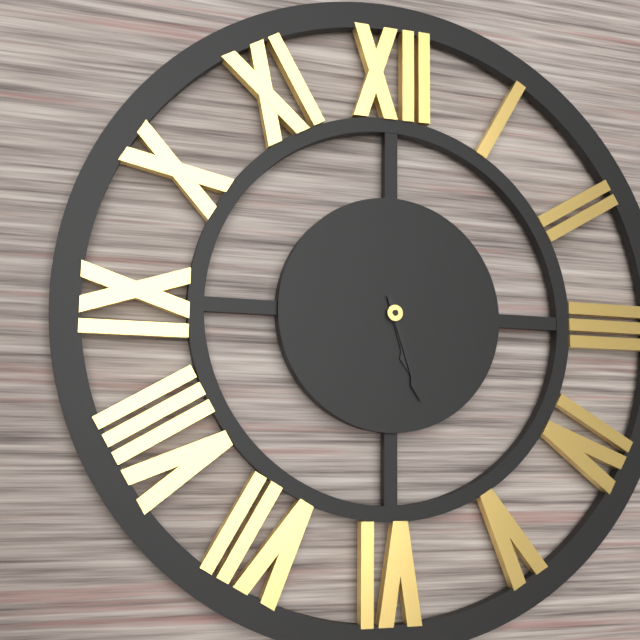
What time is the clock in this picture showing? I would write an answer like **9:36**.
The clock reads **5:27**
